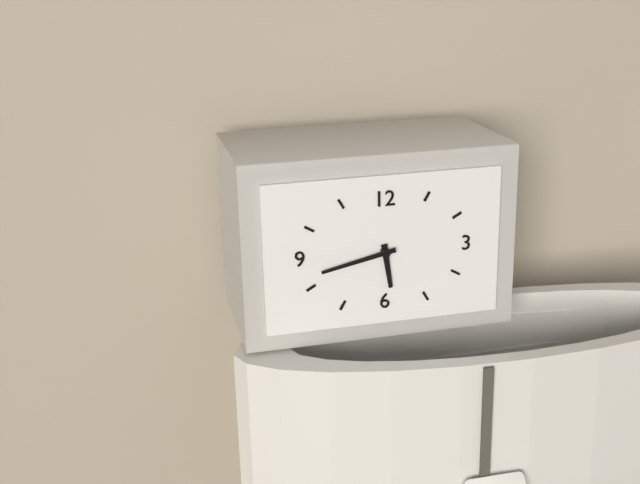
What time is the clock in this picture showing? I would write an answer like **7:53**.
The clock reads **5:43**
